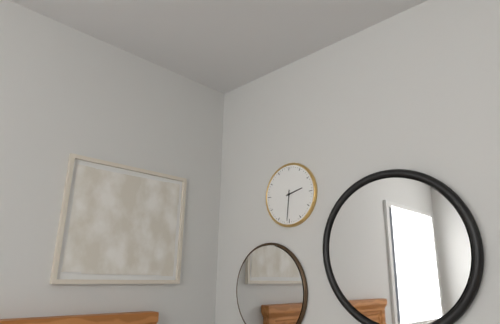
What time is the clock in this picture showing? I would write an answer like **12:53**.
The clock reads **2:31**
